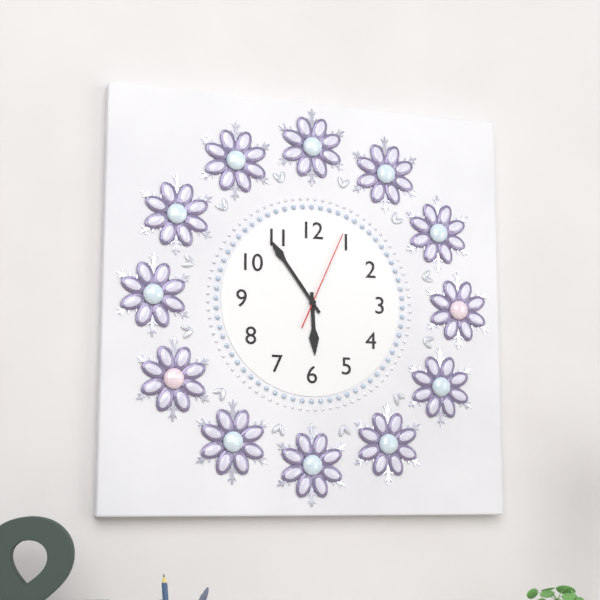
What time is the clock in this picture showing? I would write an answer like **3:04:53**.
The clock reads **5:54:04**
